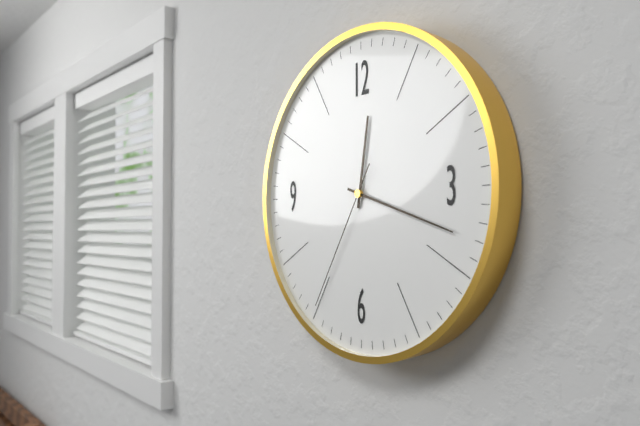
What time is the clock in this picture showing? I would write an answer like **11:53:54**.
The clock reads **12:18:35**
